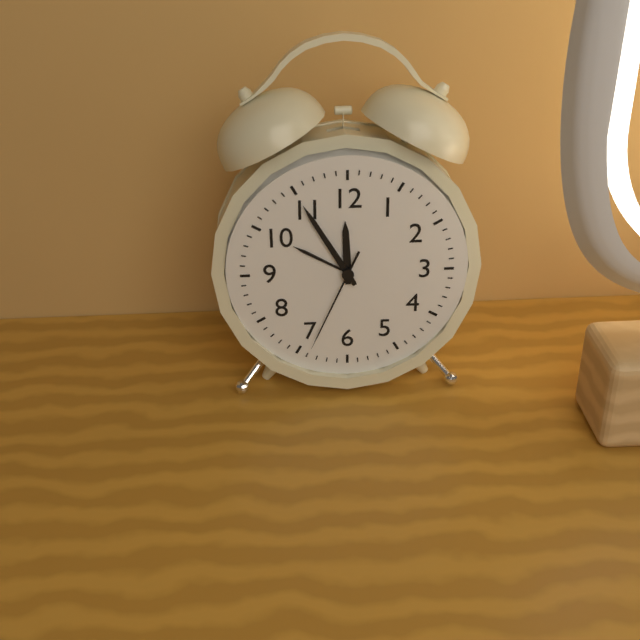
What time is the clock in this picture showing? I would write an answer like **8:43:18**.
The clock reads **11:55:34**
